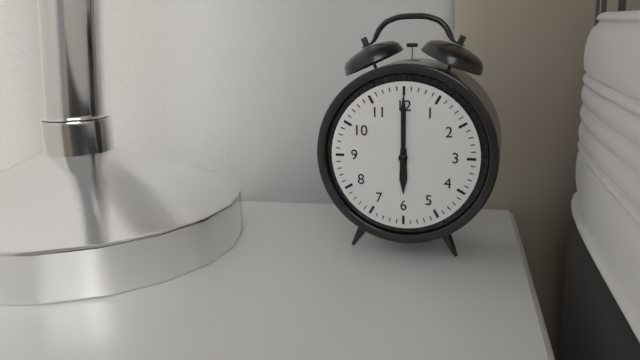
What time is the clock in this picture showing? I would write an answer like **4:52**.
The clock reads **6:00**
